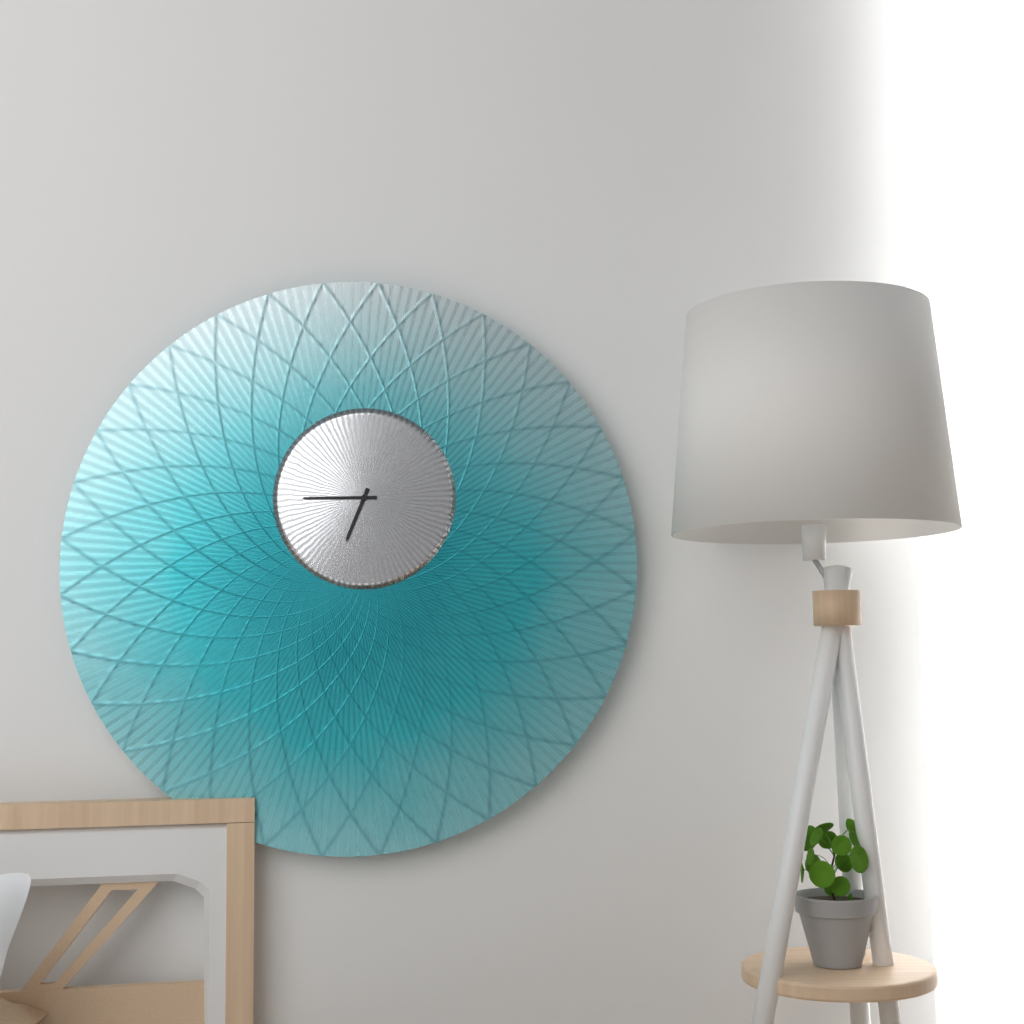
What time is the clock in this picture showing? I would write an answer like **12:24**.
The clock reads **6:45**
